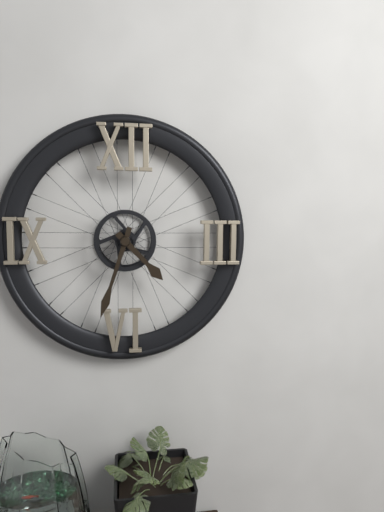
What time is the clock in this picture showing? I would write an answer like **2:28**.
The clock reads **4:33**
